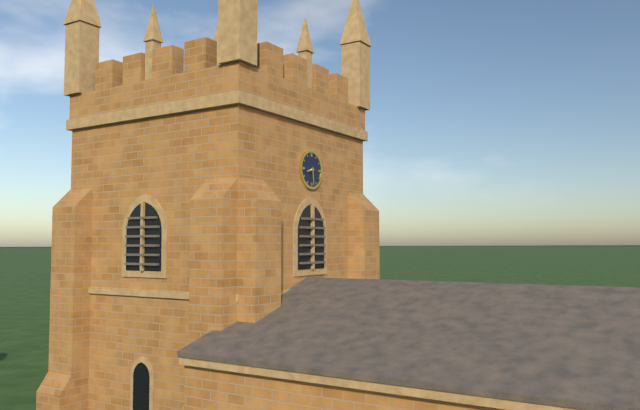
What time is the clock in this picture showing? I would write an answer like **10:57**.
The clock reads **8:29**
